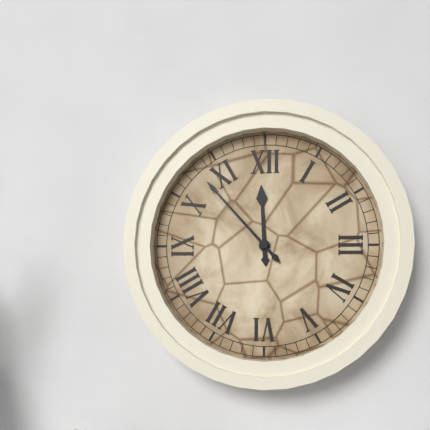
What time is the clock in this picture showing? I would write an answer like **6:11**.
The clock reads **11:53**
